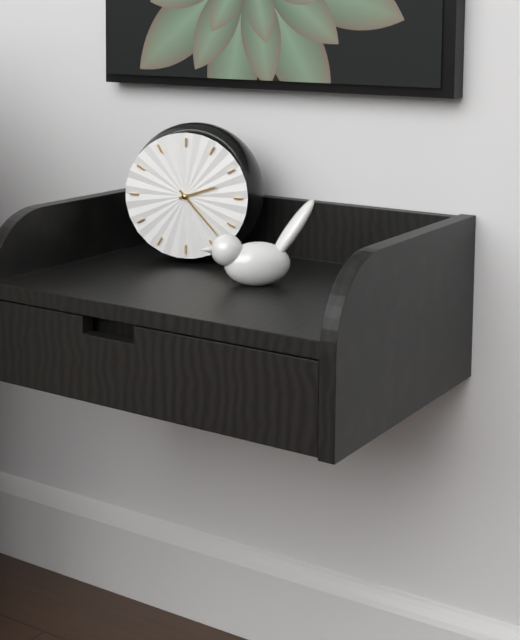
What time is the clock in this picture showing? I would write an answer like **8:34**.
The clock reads **2:23**
